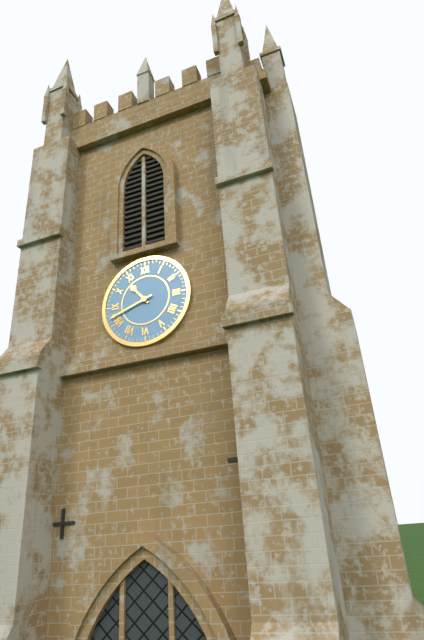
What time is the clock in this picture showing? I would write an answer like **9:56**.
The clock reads **10:42**
